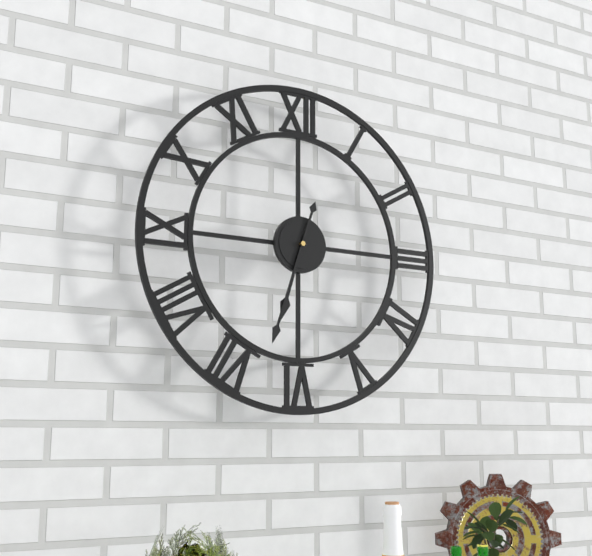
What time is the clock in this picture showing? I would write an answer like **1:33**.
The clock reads **6:33**
